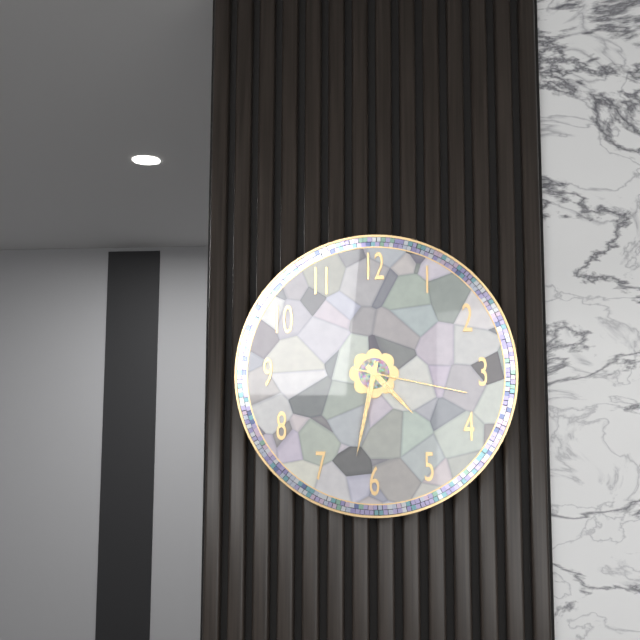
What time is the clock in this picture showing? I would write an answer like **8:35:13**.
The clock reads **4:32:17**
